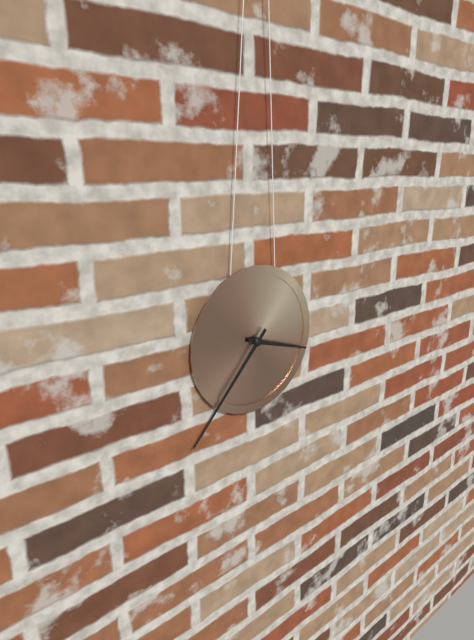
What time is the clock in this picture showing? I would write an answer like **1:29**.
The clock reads **3:37**
